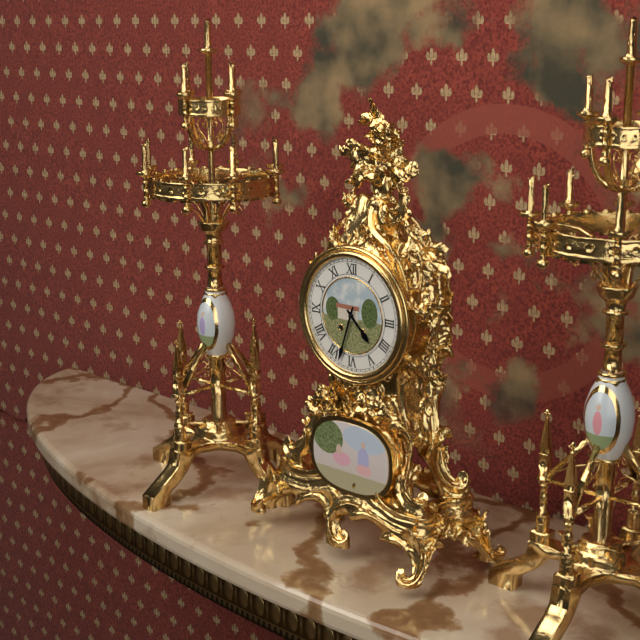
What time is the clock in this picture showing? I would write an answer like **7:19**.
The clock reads **4:33**
